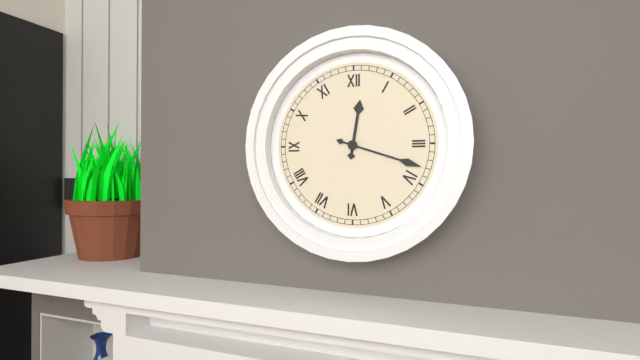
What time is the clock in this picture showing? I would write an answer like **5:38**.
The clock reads **12:18**
